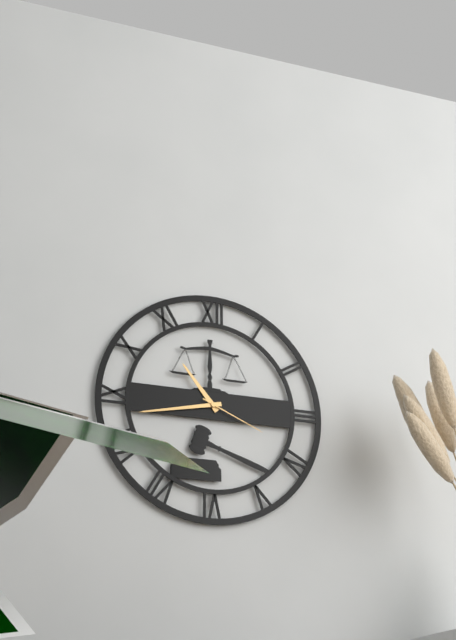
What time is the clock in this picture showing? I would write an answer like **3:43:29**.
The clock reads **10:43:19**
